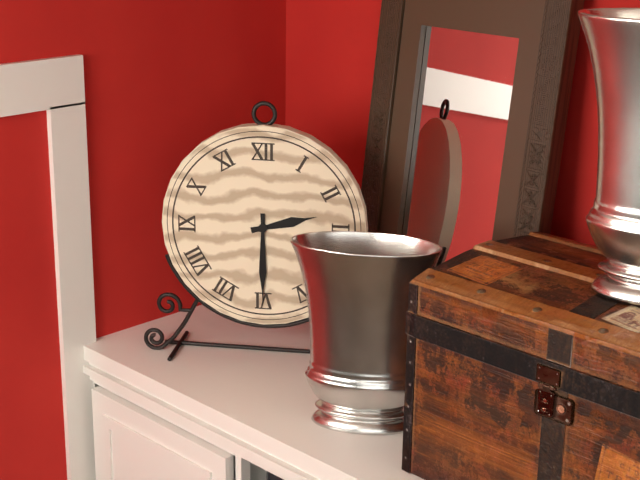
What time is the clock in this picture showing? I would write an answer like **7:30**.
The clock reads **2:30**
